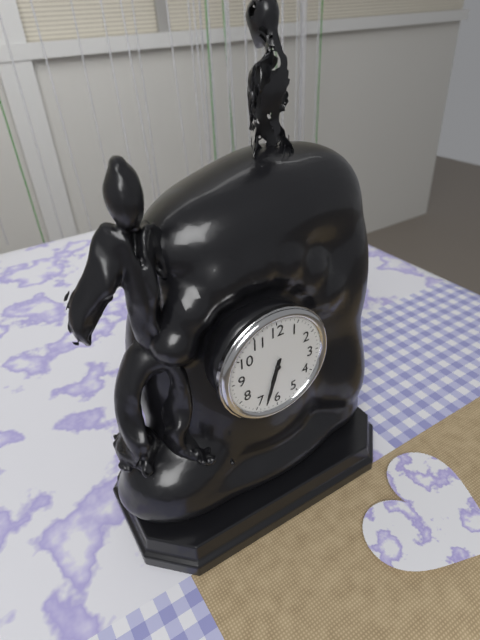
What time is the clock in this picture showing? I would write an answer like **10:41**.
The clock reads **6:33**
